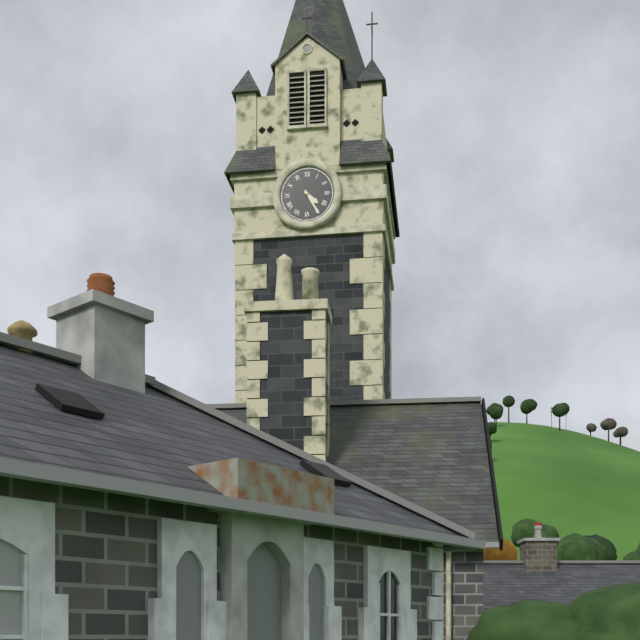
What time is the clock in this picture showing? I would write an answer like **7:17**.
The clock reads **4:25**
